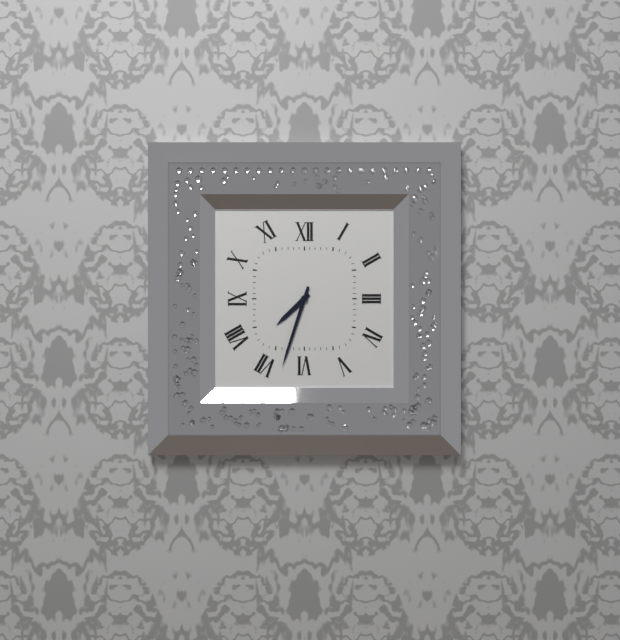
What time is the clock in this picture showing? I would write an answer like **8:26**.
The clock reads **7:33**
